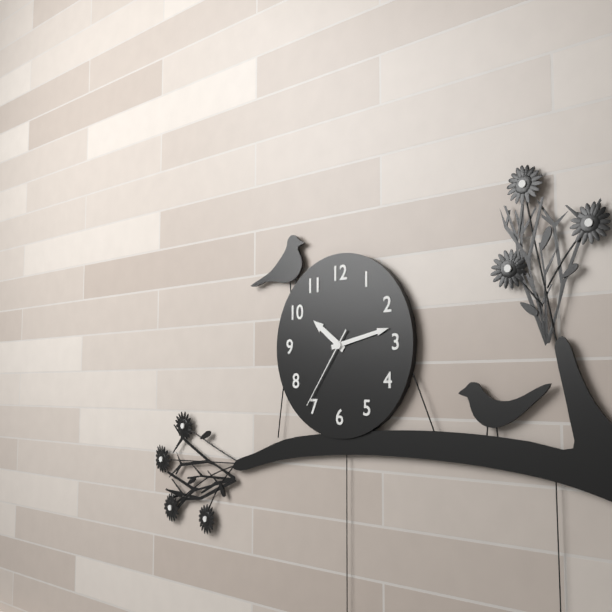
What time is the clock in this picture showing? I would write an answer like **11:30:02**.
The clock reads **10:13:36**
